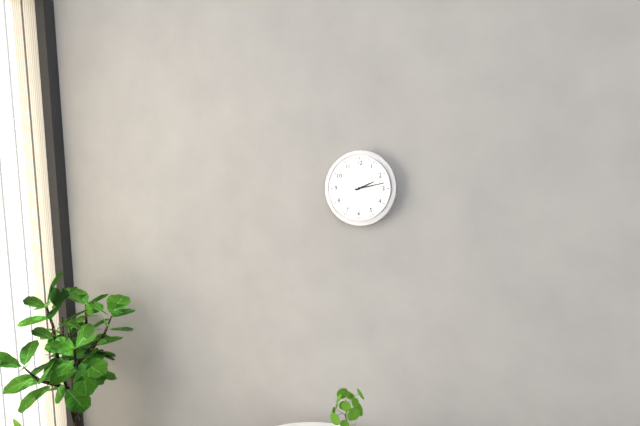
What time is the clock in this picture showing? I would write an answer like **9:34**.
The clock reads **2:13**
